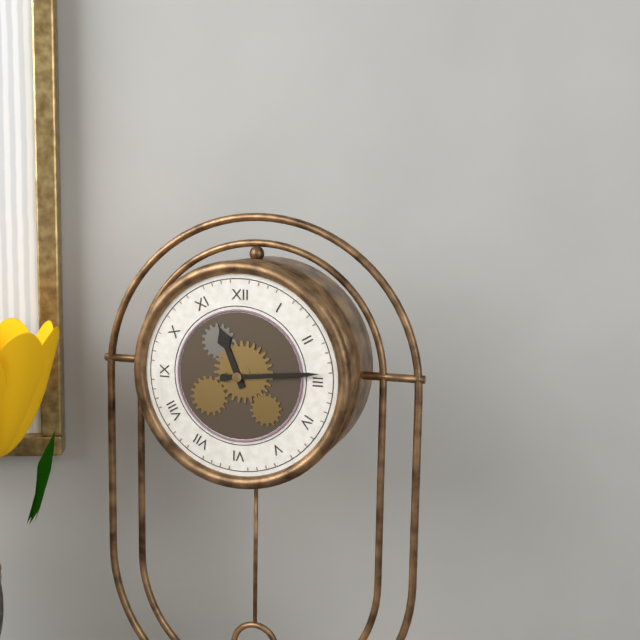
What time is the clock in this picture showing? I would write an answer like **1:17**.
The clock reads **11:14**
